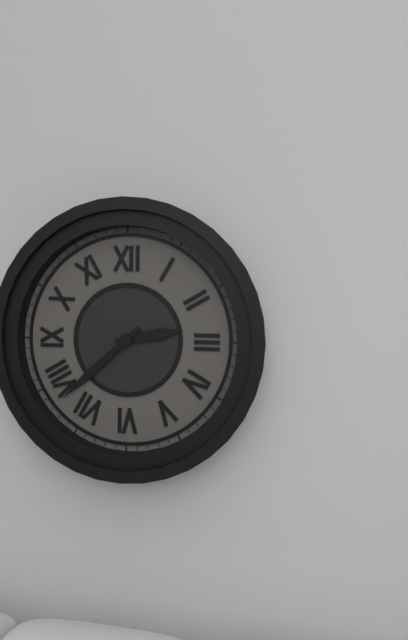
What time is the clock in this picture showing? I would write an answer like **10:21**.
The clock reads **2:38**
